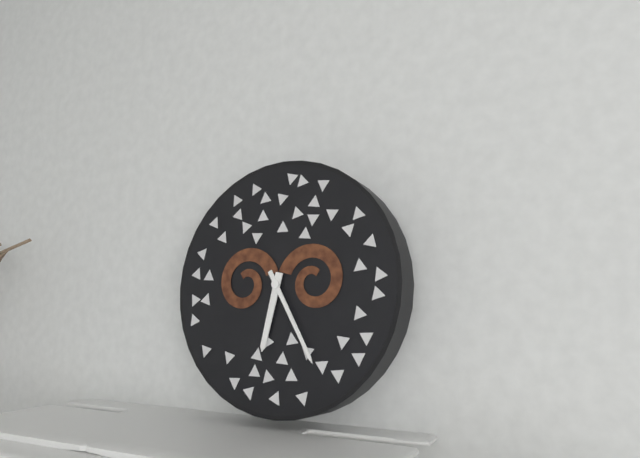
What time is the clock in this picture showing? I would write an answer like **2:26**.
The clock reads **6:25**
